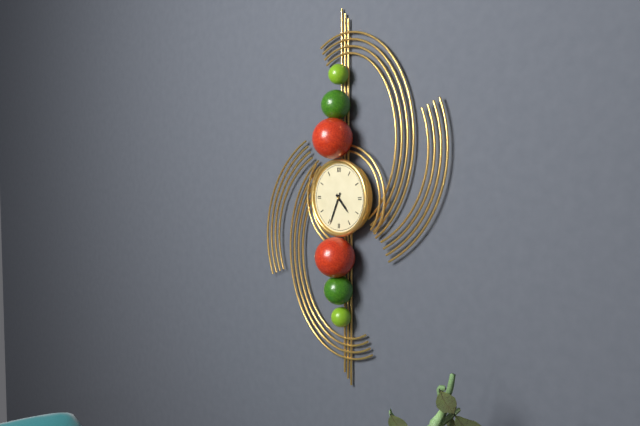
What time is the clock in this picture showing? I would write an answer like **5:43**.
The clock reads **4:34**
